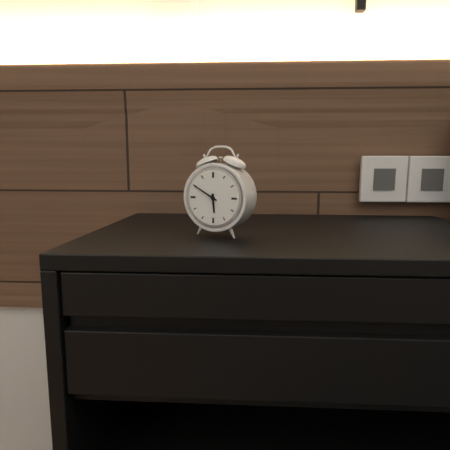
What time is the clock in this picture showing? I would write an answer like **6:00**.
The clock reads **5:50**
